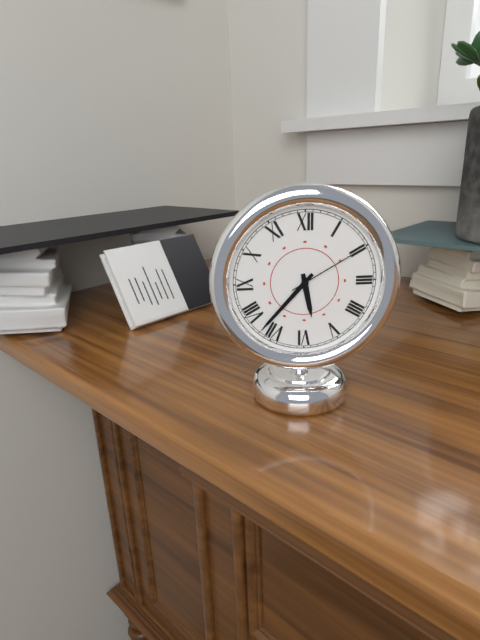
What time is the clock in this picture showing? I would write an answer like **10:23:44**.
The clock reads **5:37:10**
